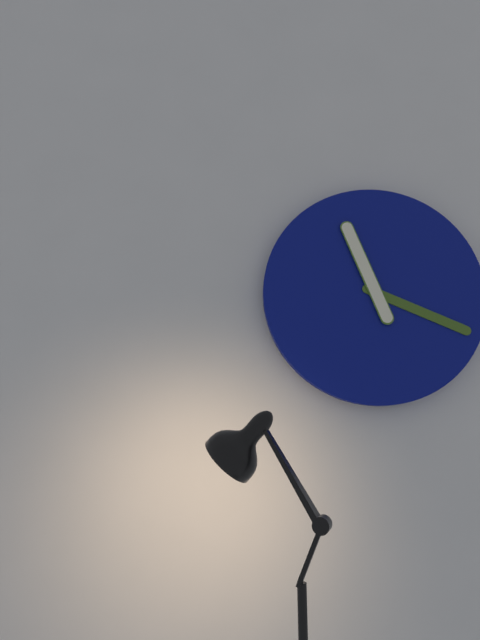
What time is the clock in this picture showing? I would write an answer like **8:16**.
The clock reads **11:19**
